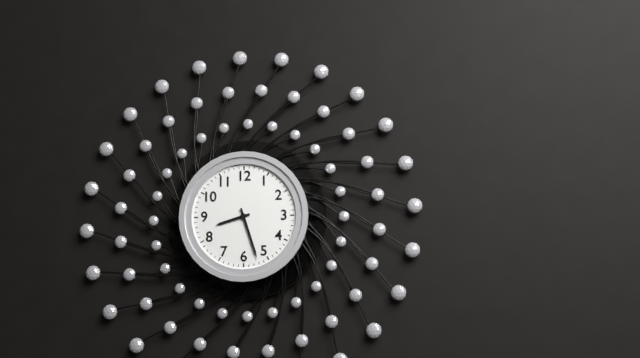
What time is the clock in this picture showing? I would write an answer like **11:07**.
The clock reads **8:27**
